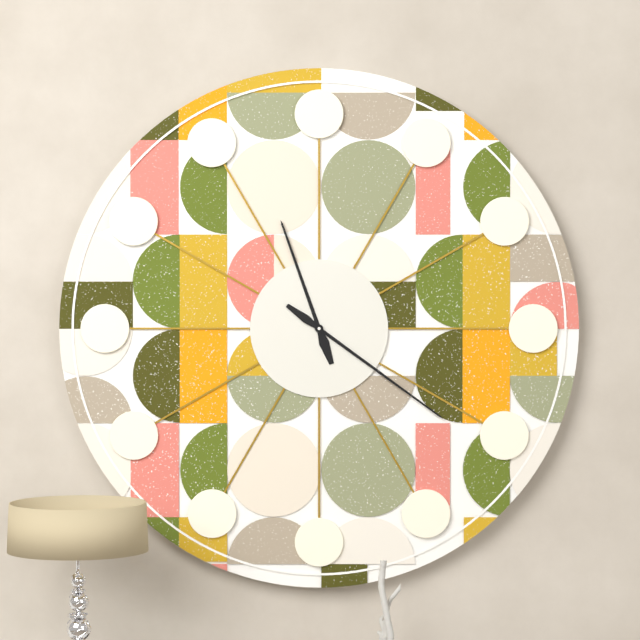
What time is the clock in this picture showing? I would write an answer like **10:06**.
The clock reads **11:21**
